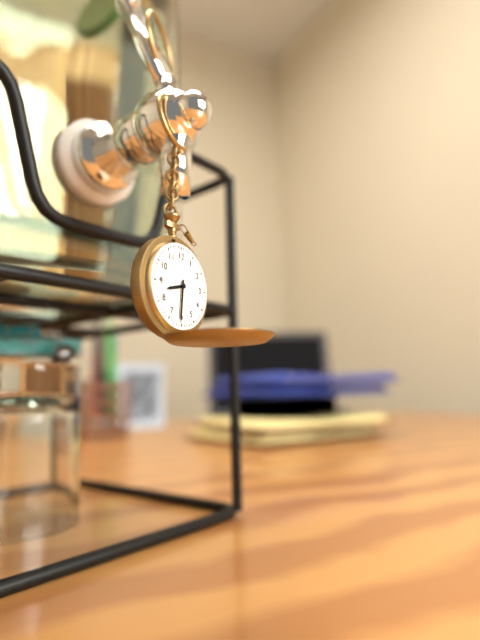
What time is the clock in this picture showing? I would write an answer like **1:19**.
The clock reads **8:31**
